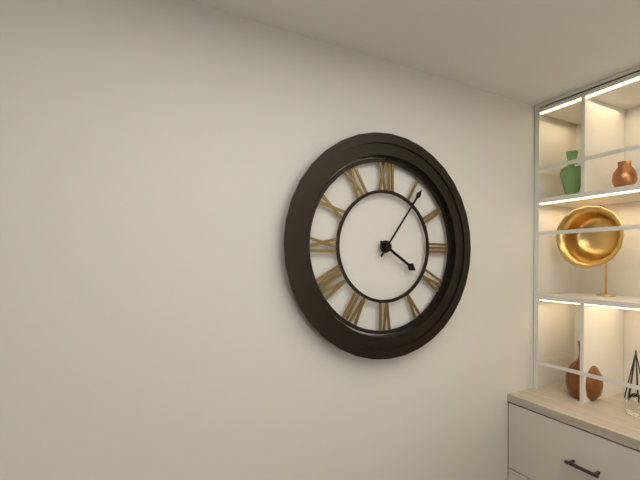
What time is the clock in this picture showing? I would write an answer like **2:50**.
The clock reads **4:06**
